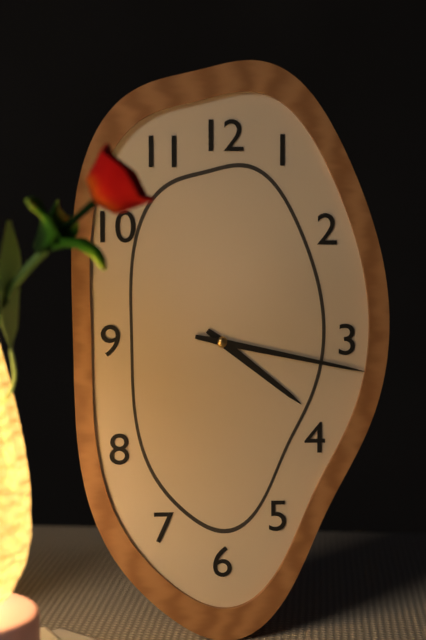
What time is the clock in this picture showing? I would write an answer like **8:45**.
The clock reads **4:17**
